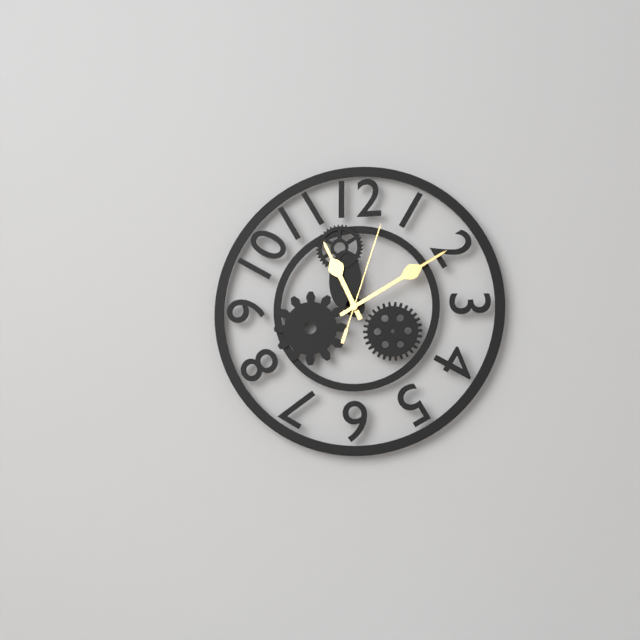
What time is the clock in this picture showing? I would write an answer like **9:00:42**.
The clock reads **11:10:03**
